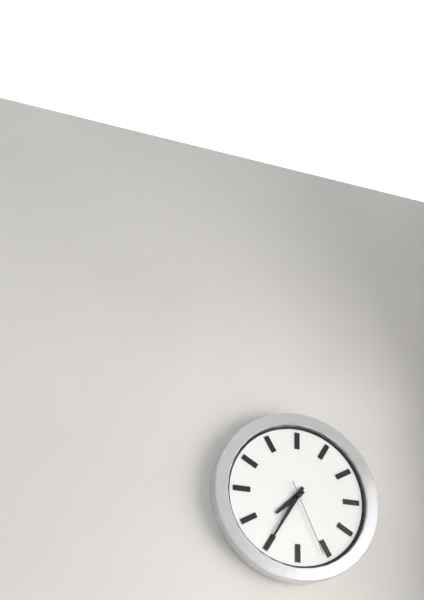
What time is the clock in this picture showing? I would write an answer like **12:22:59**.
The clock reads **7:35:26**
